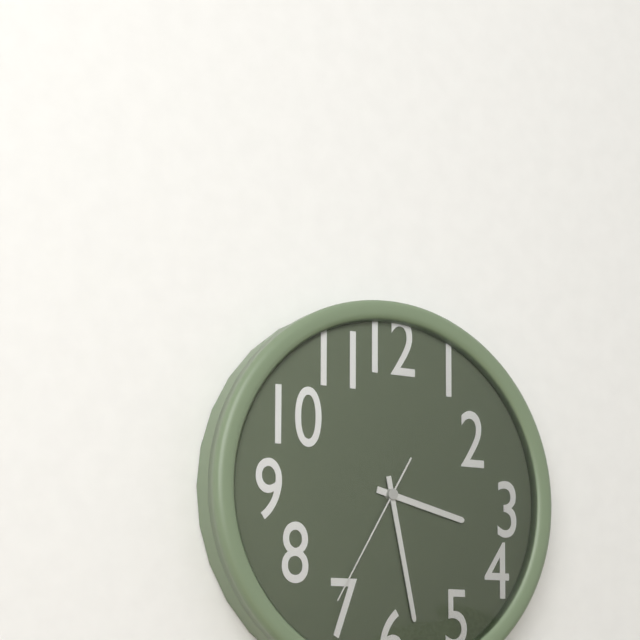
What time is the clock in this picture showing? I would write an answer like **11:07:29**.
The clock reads **3:28:35**
